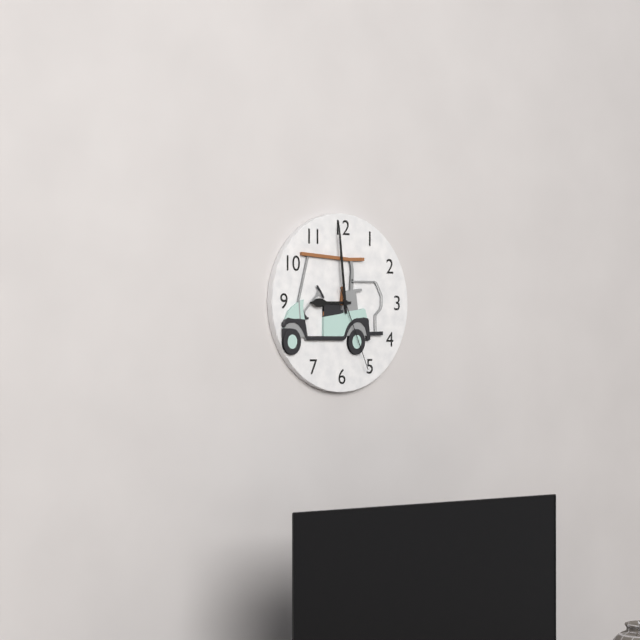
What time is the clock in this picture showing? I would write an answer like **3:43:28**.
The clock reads **8:59:26**
